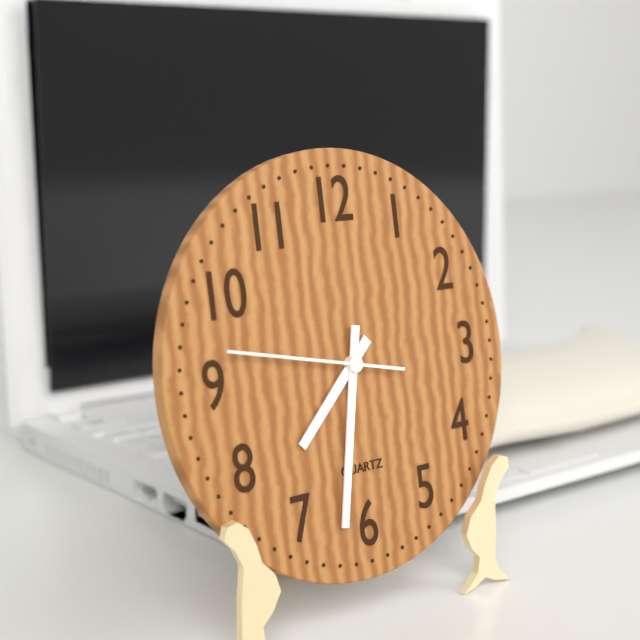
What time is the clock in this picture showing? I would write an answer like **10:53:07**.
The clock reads **7:32:47**
